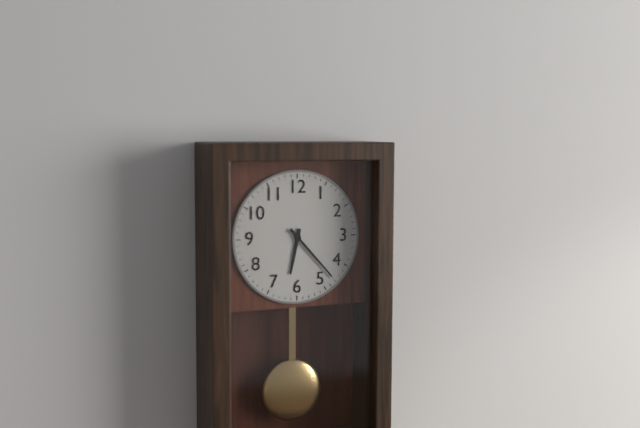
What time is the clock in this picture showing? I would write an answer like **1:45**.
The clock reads **6:23**
